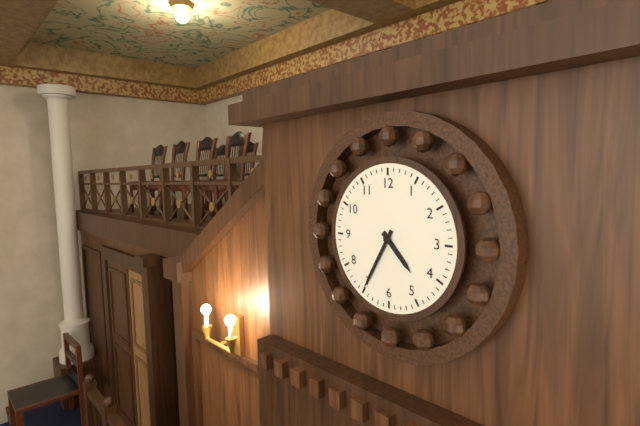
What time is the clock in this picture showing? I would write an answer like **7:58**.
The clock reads **4:35**
